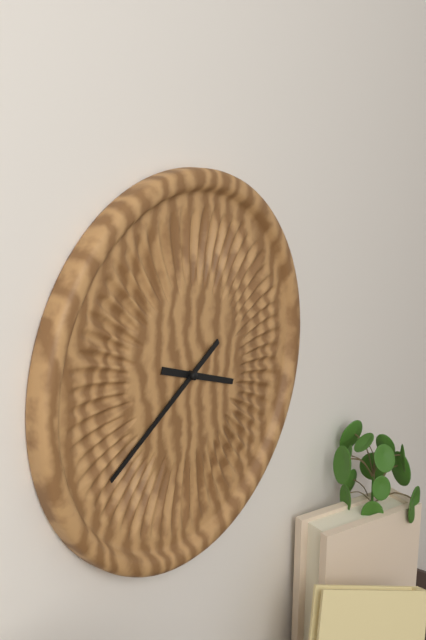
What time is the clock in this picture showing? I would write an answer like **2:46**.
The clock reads **3:40**
